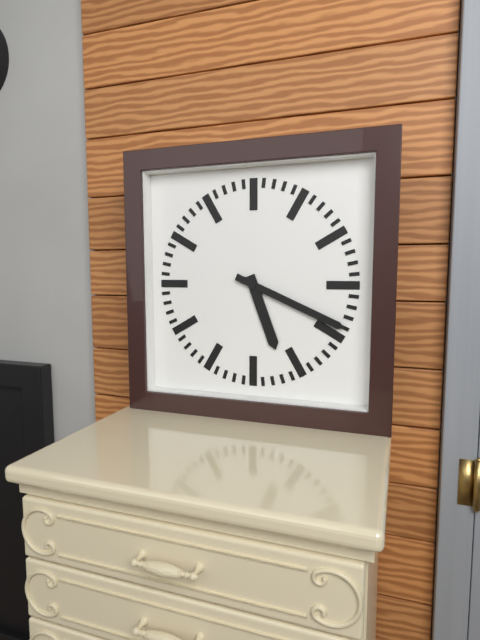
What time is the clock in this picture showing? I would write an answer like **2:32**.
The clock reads **5:19**
